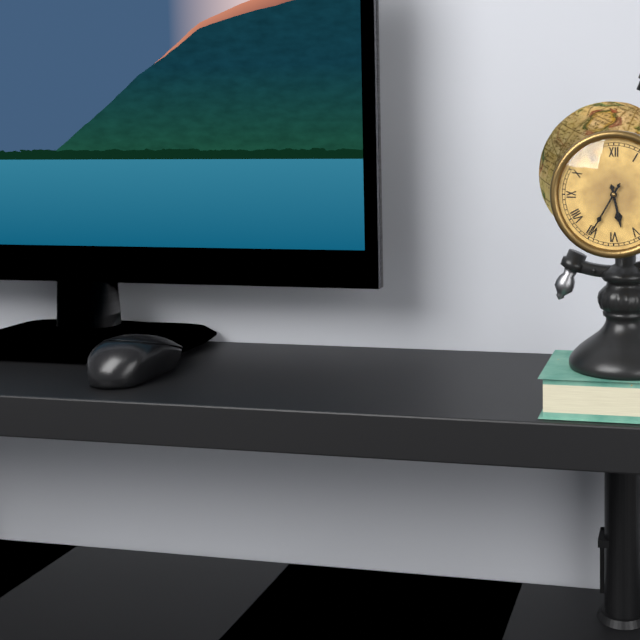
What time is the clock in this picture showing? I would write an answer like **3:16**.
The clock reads **5:35**
